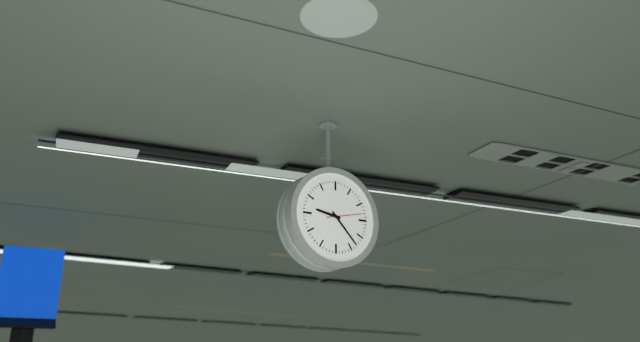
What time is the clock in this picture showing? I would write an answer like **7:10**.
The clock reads **9:23**
